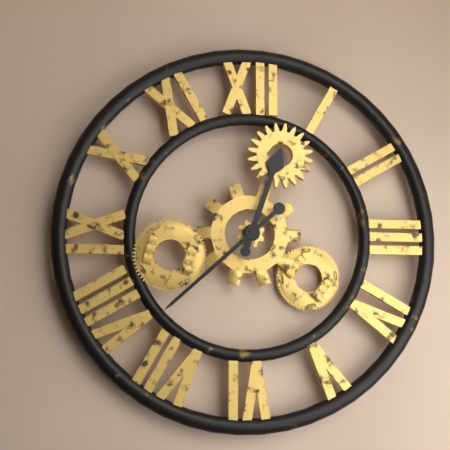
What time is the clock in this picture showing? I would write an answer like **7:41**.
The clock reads **12:38**
